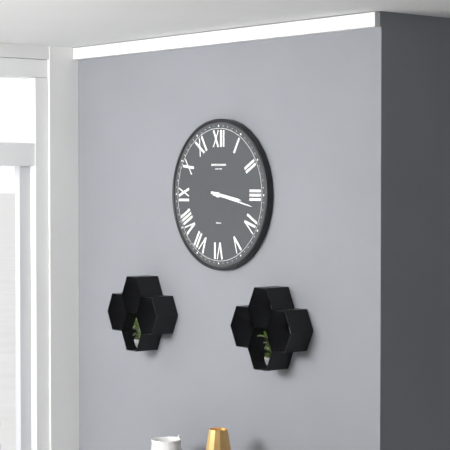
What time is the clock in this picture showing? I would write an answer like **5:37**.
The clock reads **3:17**
